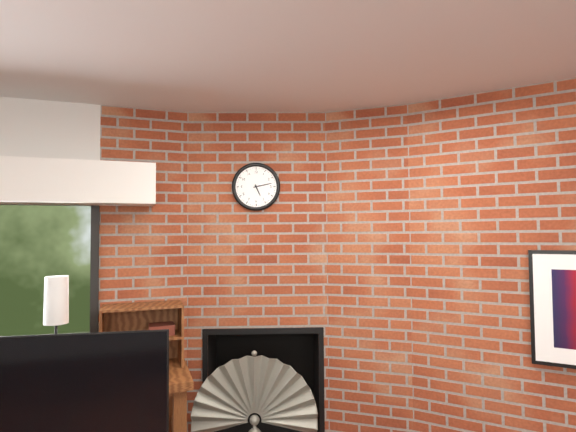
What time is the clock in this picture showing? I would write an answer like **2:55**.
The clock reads **5:13**
